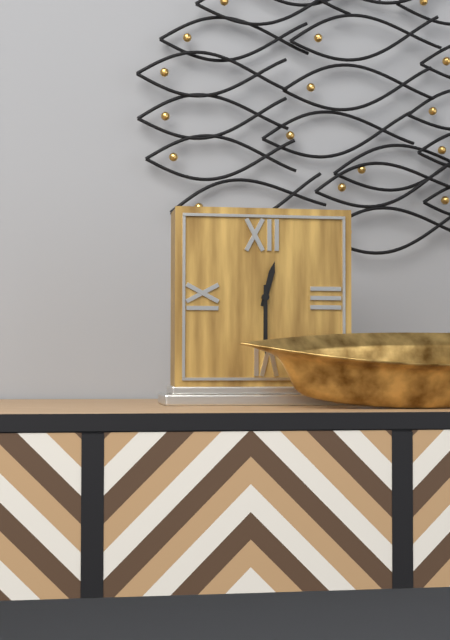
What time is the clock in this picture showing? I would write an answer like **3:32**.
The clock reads **12:30**
